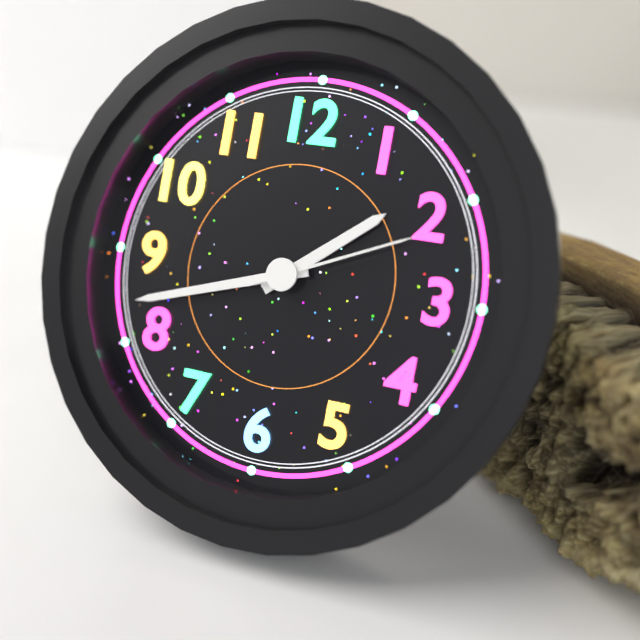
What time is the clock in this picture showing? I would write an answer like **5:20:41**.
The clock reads **1:42:11**
